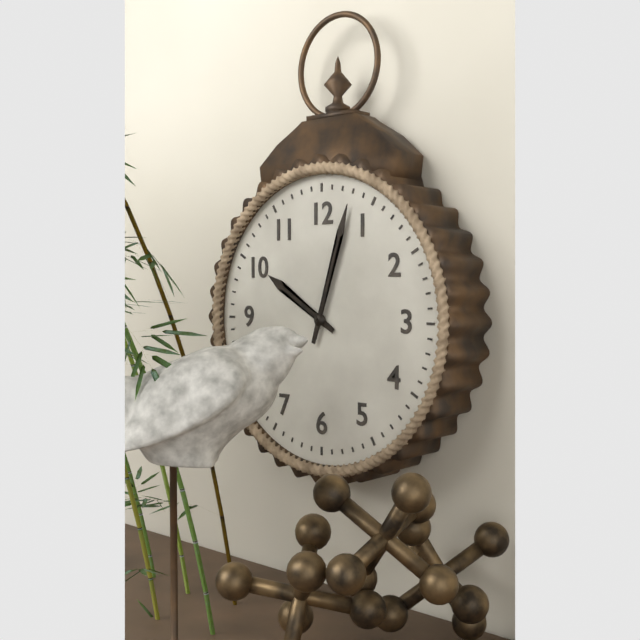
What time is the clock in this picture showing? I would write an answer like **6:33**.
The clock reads **10:03**
